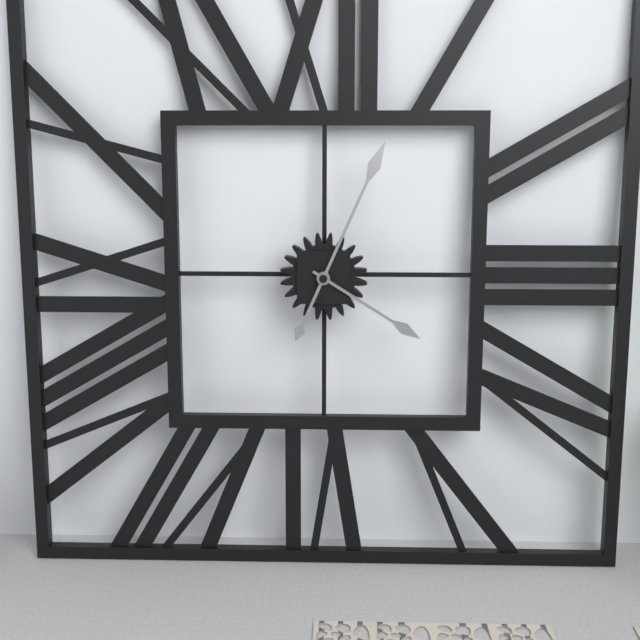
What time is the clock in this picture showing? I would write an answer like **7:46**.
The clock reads **4:04**
